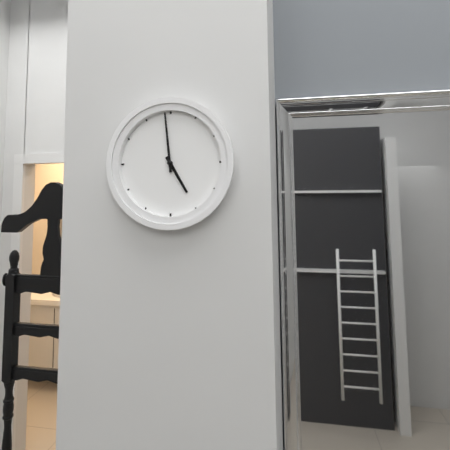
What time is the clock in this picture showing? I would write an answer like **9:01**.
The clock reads **4:59**
